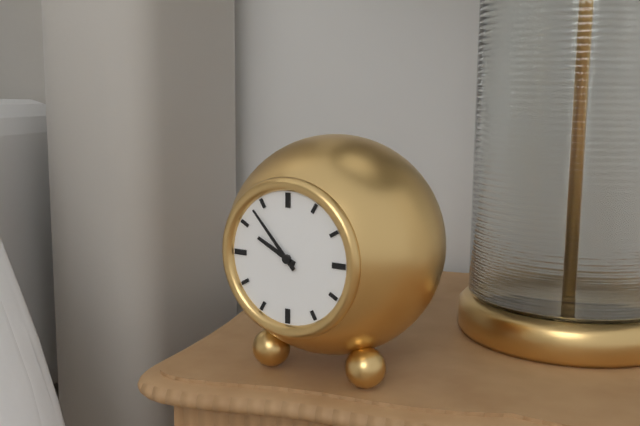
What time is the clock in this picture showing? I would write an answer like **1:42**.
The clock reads **9:53**
